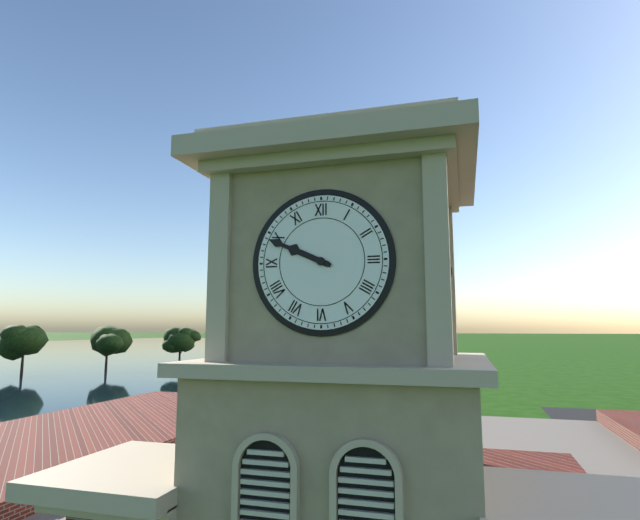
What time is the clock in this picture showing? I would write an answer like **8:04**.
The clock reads **9:49**
